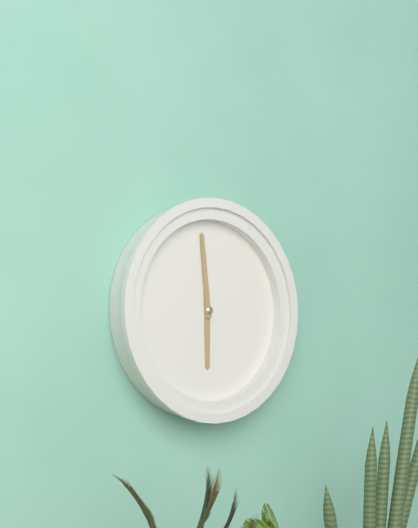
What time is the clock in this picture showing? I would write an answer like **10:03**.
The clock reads **5:59**
